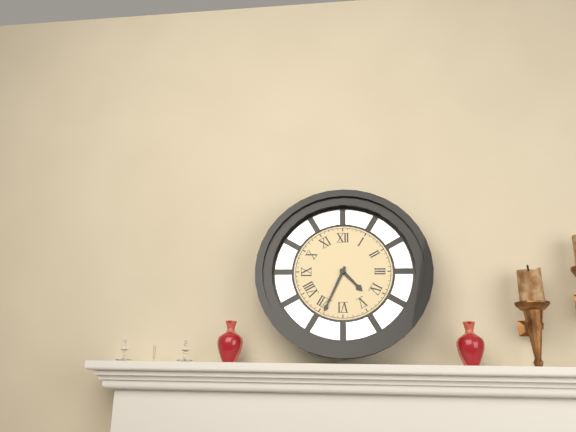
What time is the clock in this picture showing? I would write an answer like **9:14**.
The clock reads **4:34**
